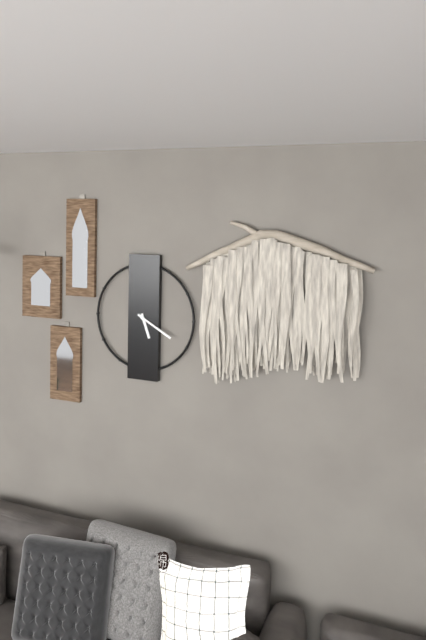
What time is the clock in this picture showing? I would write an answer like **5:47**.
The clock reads **5:20**
